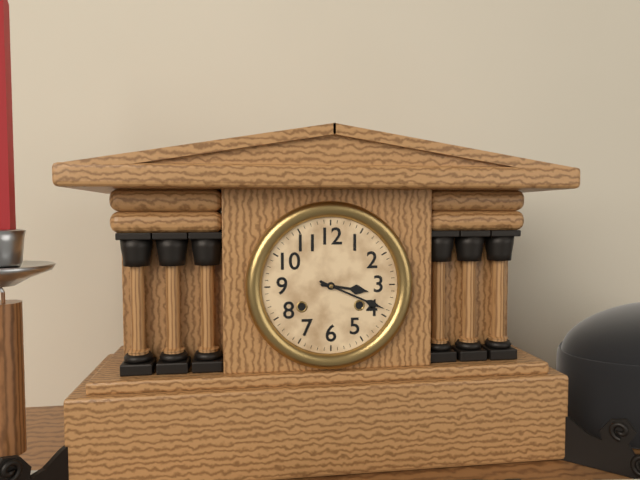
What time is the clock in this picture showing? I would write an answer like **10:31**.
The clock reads **3:19**
